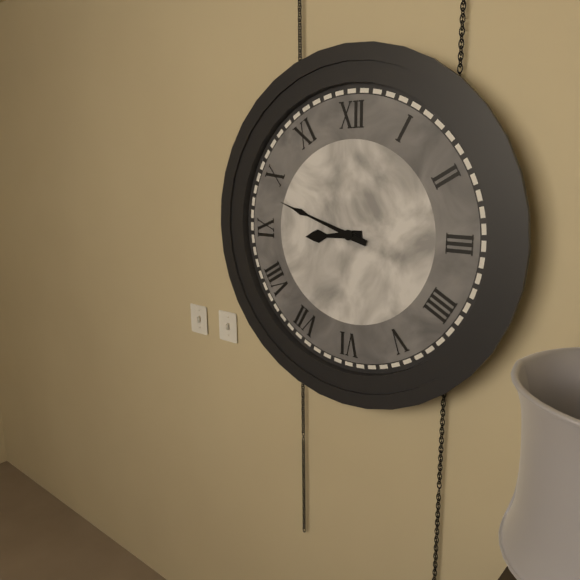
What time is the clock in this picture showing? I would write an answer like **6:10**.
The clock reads **8:48**
